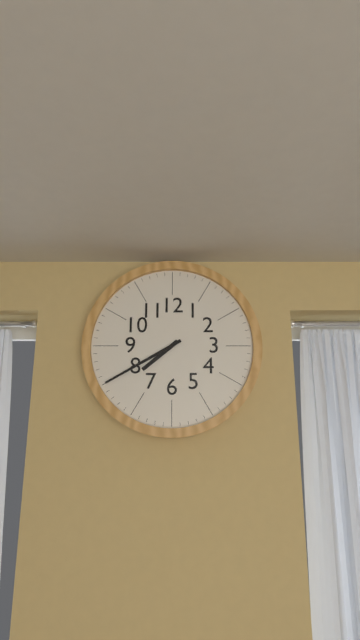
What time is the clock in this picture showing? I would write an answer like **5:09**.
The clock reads **7:40**
